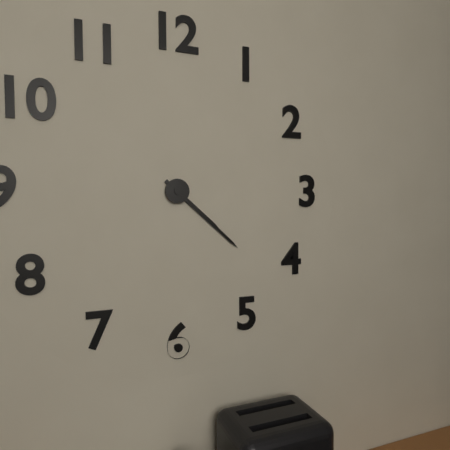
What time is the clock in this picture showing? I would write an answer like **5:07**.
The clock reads **4:22**
